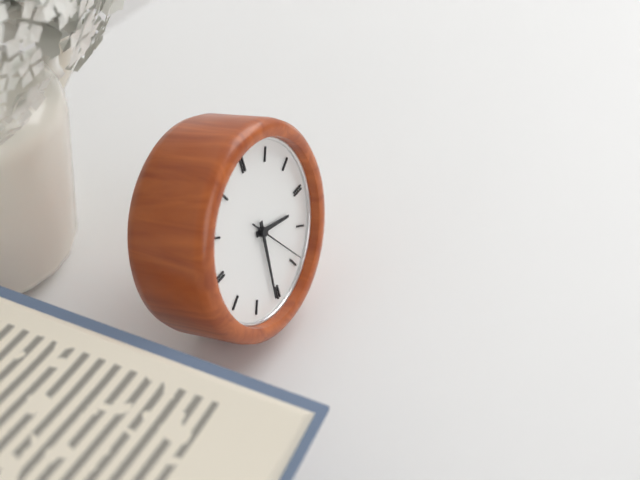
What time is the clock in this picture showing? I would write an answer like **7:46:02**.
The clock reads **3:31:24**
